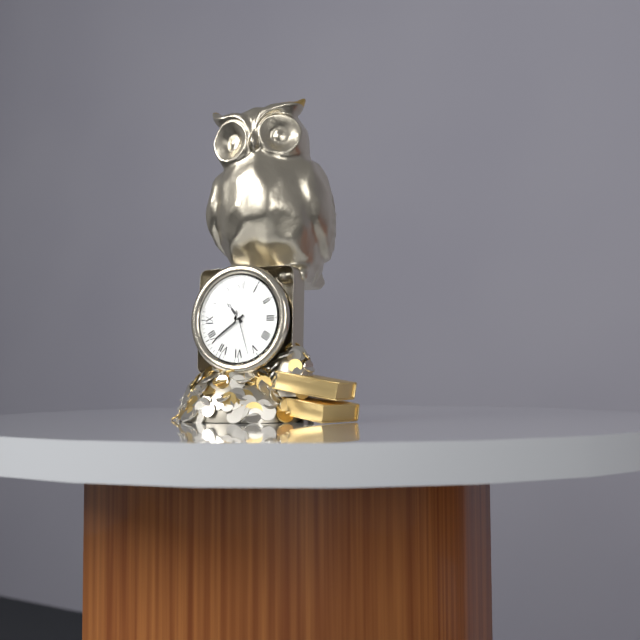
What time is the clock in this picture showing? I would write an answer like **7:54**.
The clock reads **10:39**
